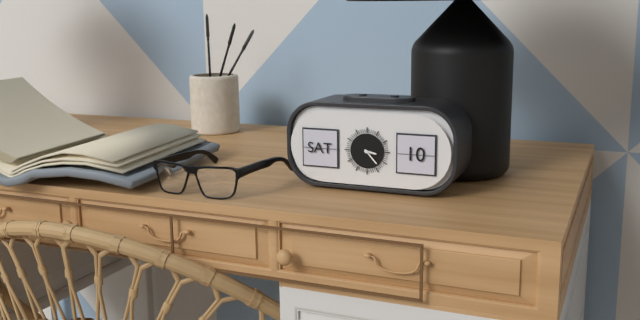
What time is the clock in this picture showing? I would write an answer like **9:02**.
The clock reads **3:23**
